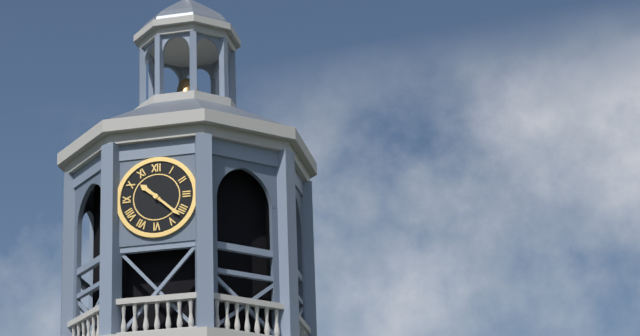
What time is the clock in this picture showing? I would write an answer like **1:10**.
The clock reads **10:22**
